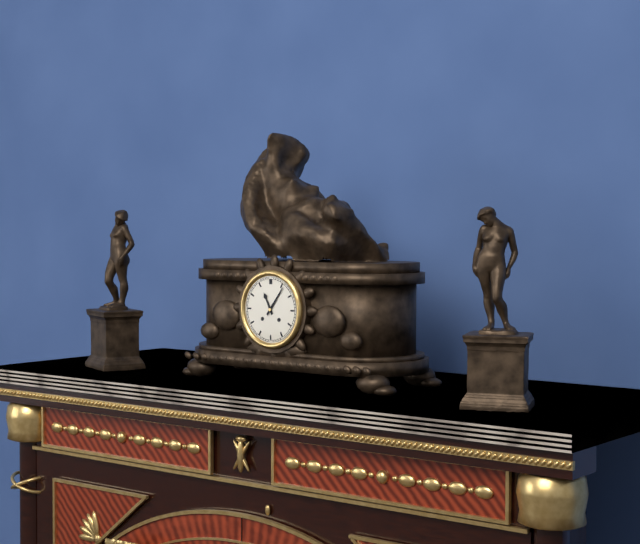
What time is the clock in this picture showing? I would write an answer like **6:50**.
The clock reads **11:06**
